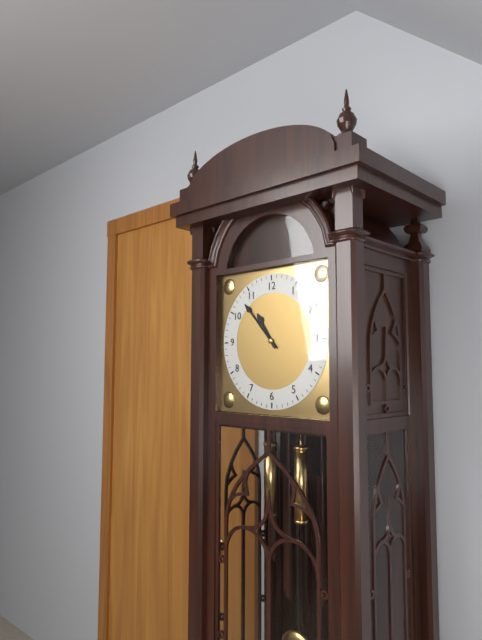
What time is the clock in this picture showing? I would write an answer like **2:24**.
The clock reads **10:53**
